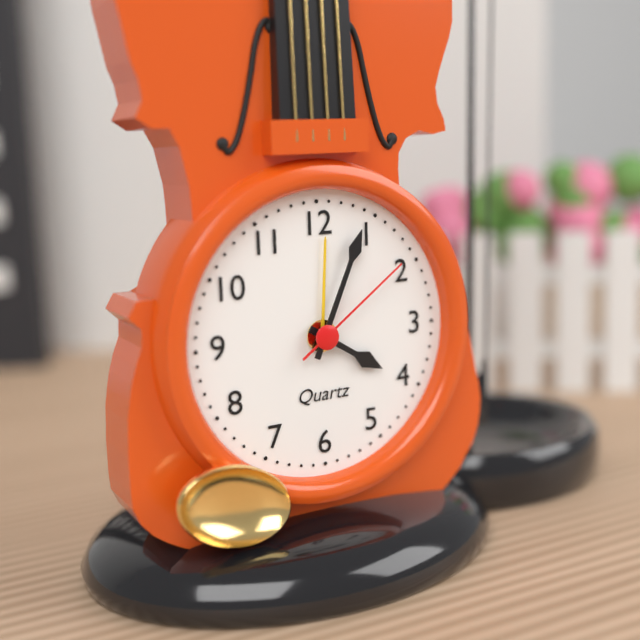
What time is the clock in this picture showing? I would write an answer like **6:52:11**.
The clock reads **4:04:09**
